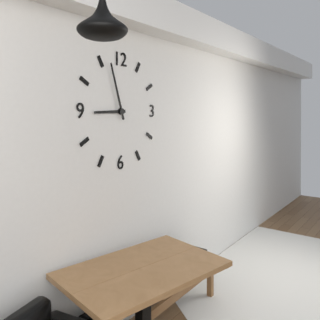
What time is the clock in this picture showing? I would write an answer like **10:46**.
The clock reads **8:57**
